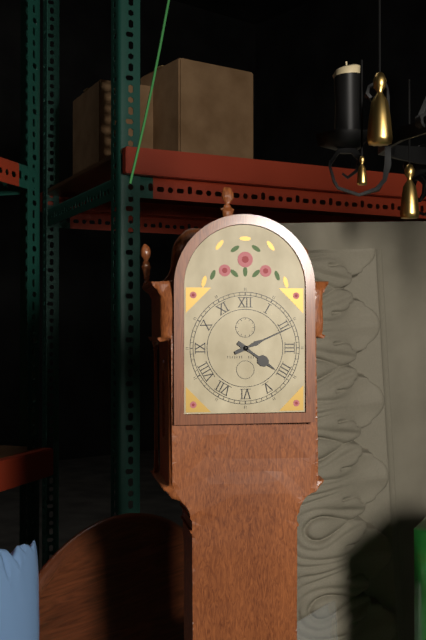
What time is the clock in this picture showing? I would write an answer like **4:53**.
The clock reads **4:11**
